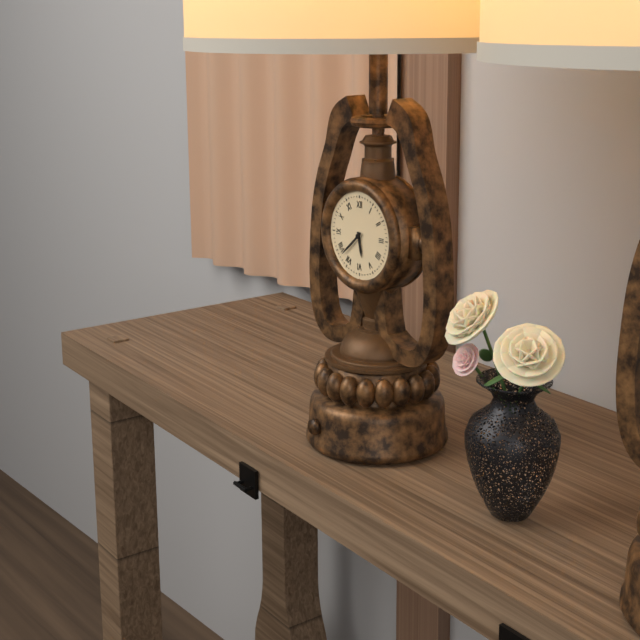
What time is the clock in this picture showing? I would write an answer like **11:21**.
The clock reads **5:38**
